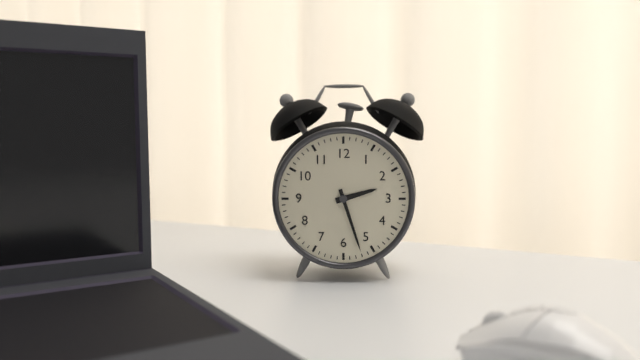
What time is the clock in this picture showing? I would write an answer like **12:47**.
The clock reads **2:27**
